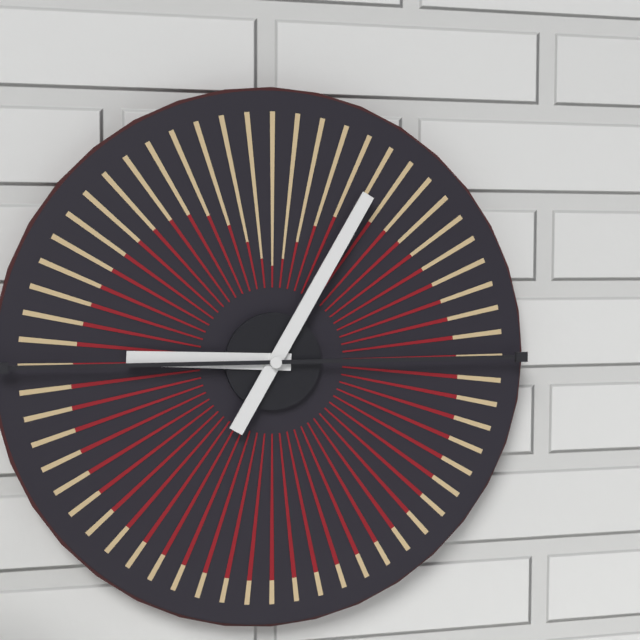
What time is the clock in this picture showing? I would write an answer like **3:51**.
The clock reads **9:05**
